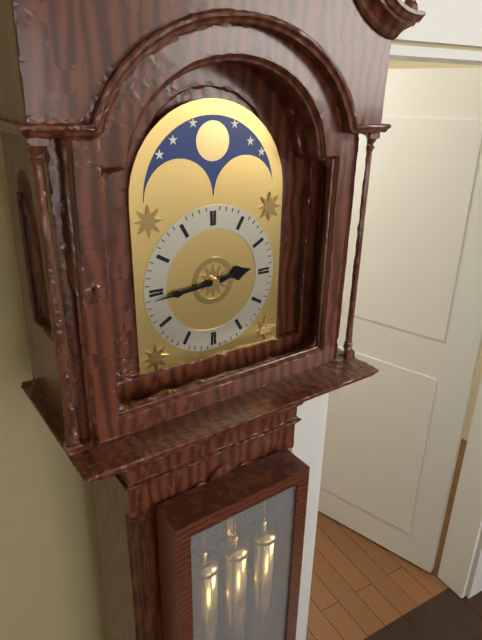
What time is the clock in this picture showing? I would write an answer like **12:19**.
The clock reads **2:44**
